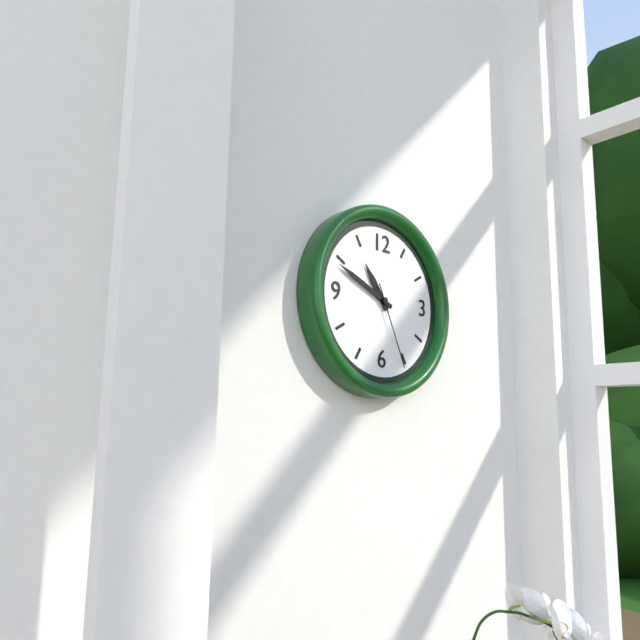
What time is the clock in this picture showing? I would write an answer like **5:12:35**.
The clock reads **10:49:26**
